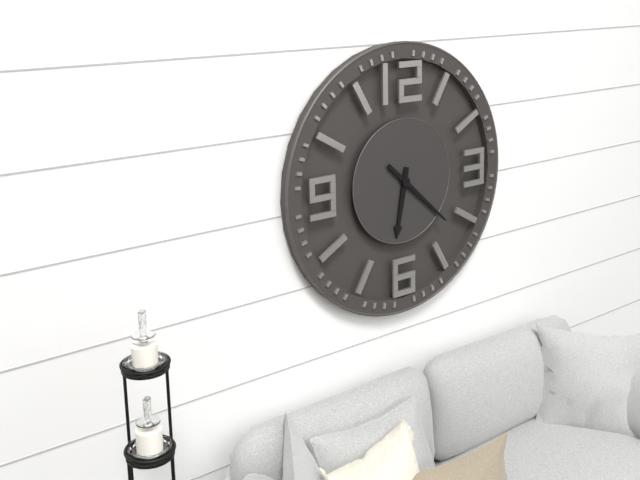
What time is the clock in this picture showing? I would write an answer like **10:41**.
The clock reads **6:22**
